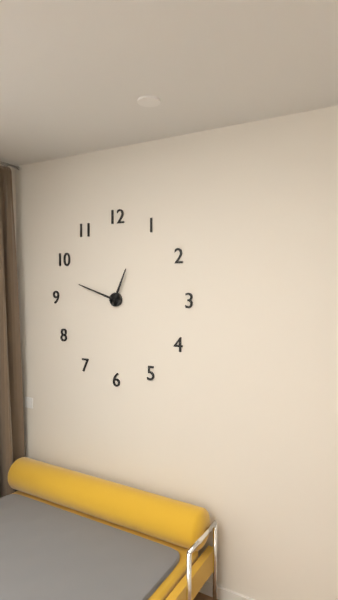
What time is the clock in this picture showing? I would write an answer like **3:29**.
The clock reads **12:48**
